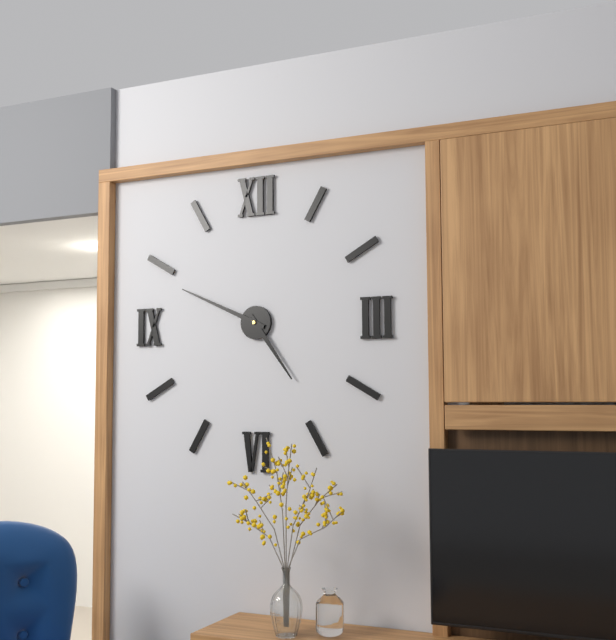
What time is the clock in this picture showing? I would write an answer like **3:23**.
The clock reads **4:49**
